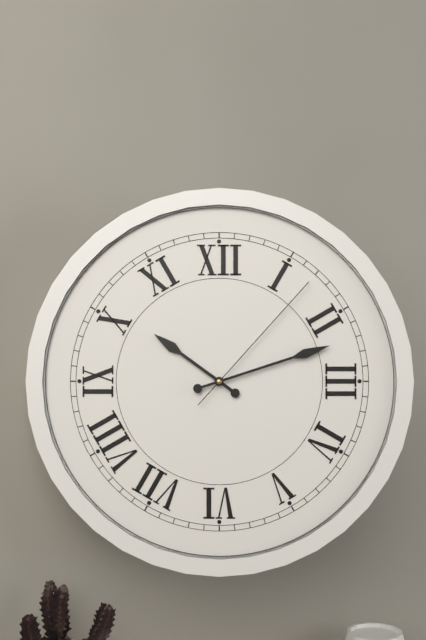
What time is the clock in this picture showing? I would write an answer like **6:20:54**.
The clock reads **10:12:07**
